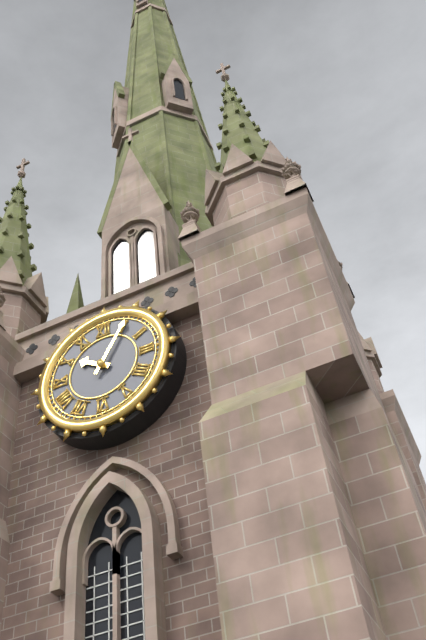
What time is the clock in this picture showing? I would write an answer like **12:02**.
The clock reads **10:05**
